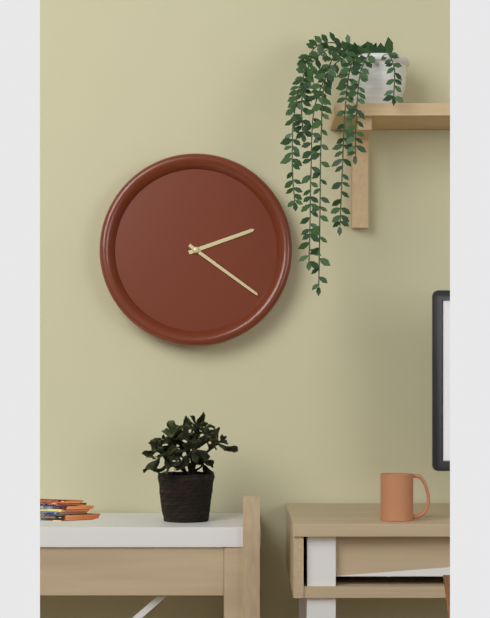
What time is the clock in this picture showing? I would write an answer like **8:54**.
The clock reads **2:21**
